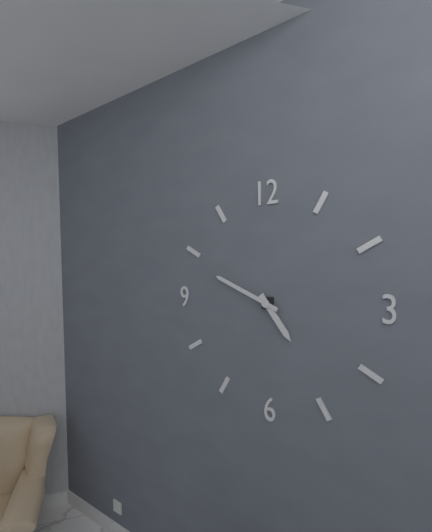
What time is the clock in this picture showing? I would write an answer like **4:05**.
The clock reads **4:49**
